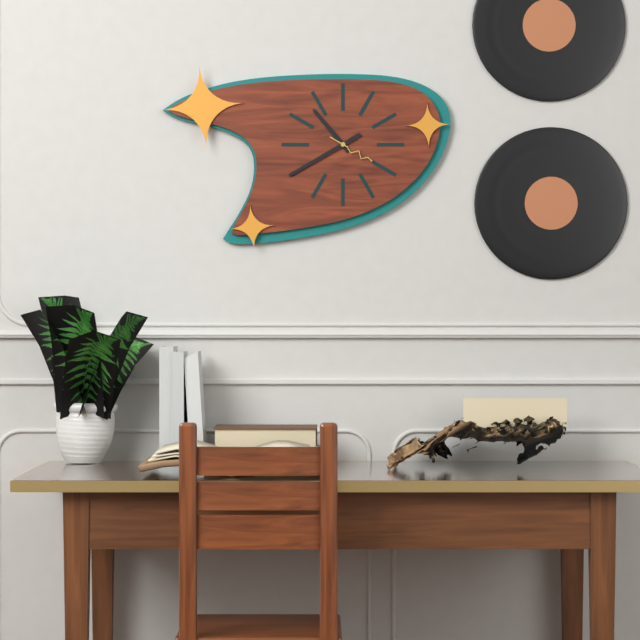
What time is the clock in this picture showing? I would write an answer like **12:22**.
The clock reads **10:40**
